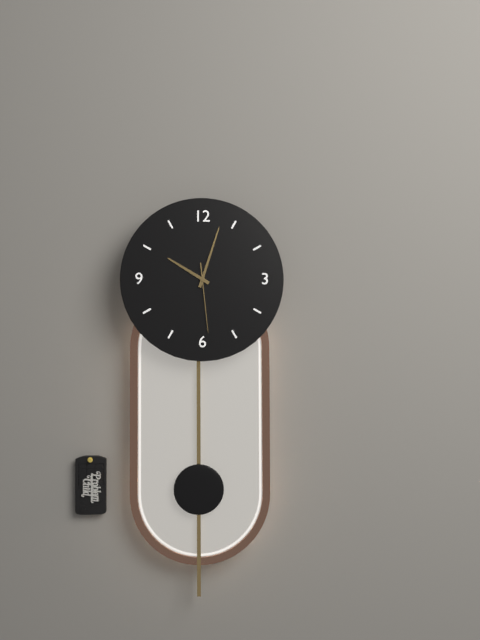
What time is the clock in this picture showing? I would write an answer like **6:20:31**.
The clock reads **10:03:29**
